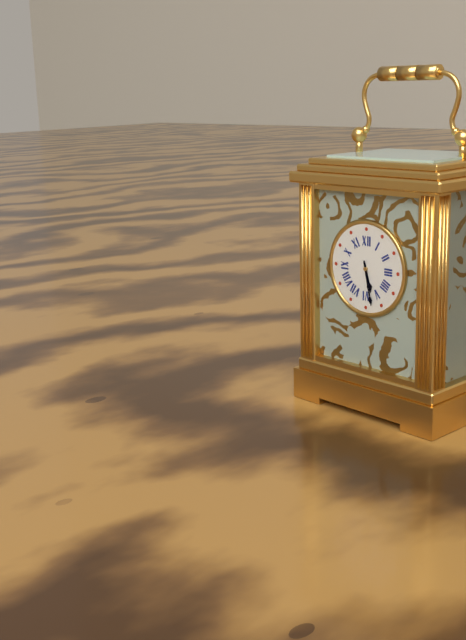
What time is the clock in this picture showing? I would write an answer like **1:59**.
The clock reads **5:28**
